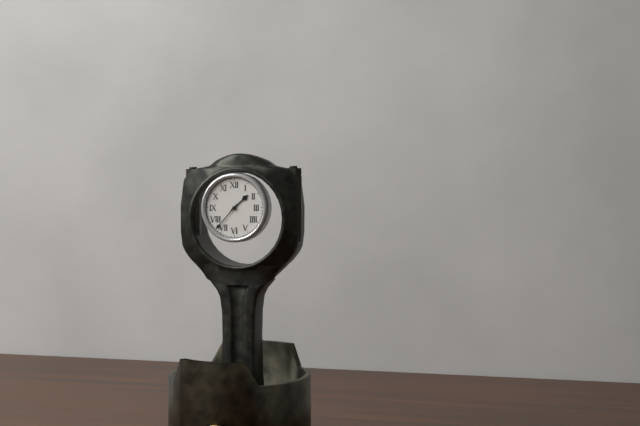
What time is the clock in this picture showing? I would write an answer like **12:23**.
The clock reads **1:37**
